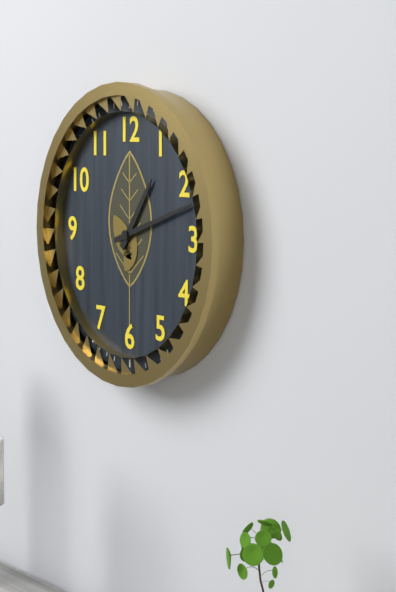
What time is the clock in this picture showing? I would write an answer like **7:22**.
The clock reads **1:12**
